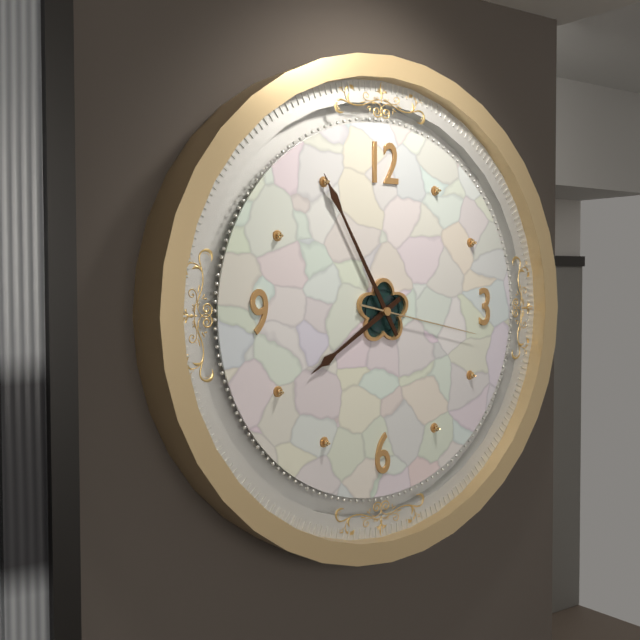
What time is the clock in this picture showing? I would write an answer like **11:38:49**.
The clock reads **7:55:17**
